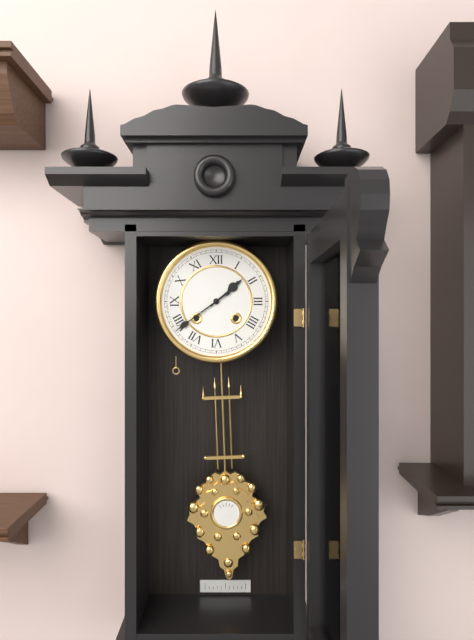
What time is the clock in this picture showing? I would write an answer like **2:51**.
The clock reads **1:39**
